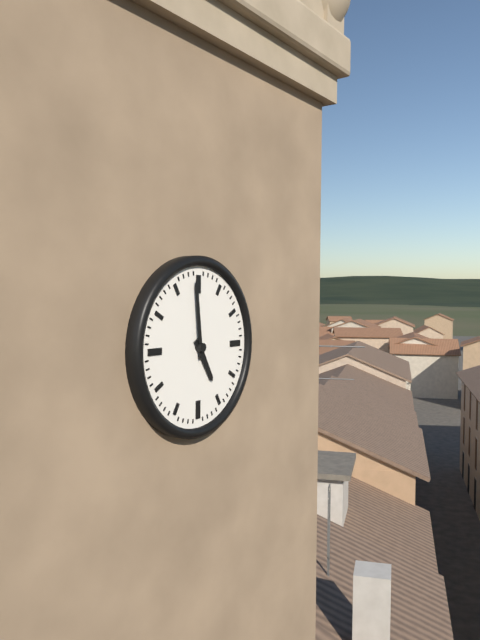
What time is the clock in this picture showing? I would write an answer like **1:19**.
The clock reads **4:59**
